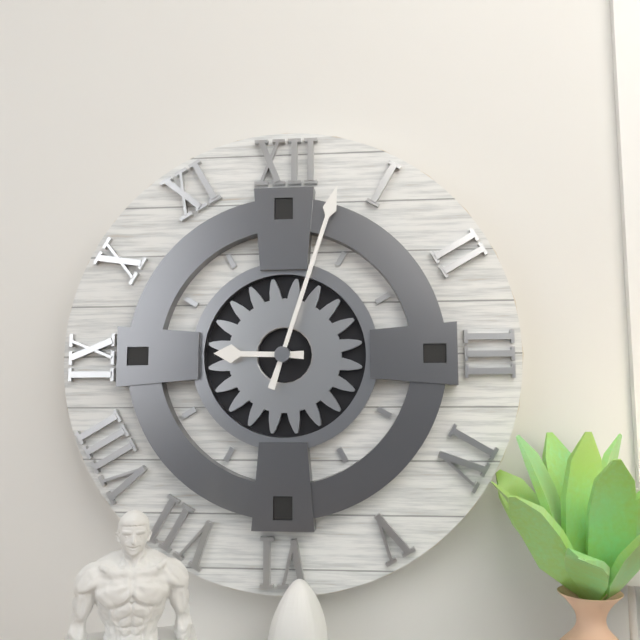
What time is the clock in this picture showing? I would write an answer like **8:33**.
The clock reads **9:03**
